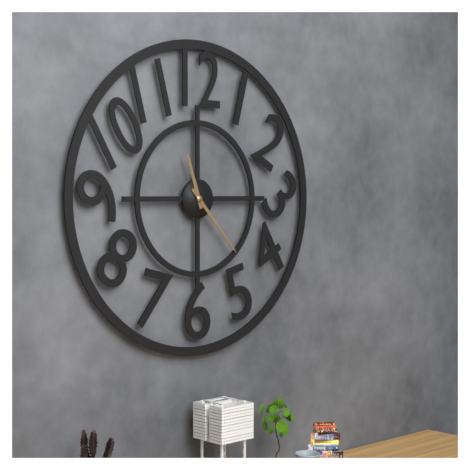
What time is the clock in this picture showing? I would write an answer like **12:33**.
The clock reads **11:23**
